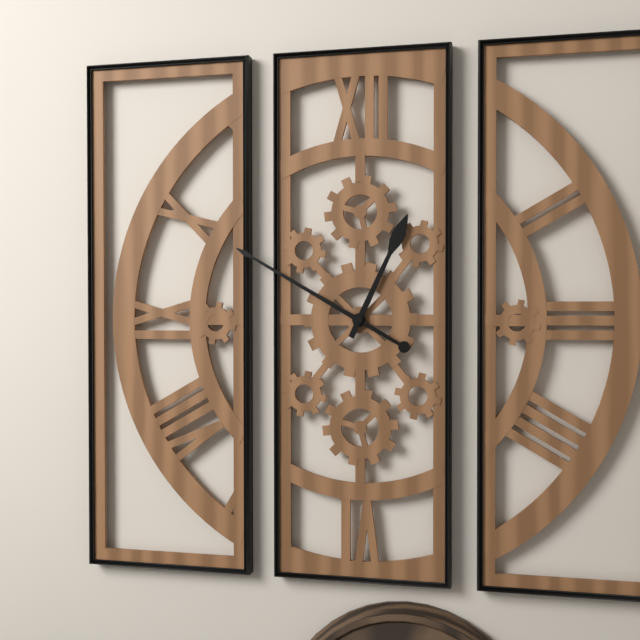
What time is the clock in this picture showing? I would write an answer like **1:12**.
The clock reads **12:50**
